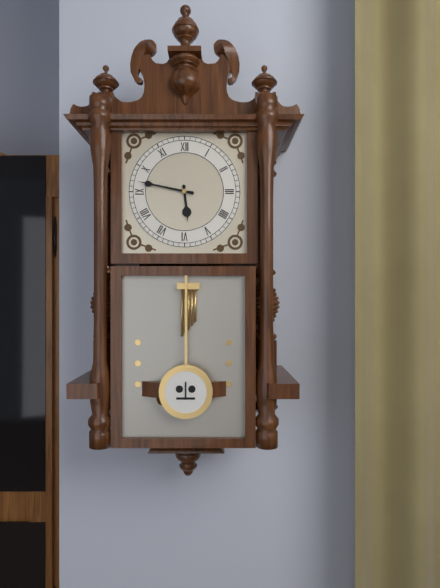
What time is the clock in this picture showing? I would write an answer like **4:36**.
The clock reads **5:47**
